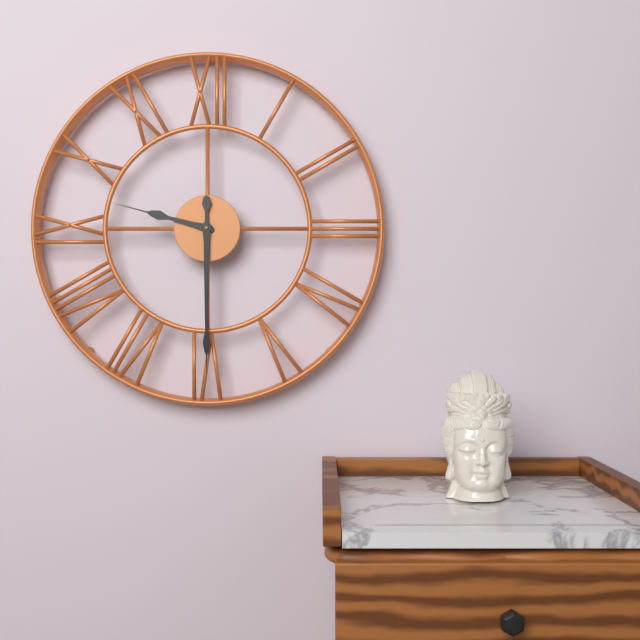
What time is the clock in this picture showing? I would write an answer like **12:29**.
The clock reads **9:30**
